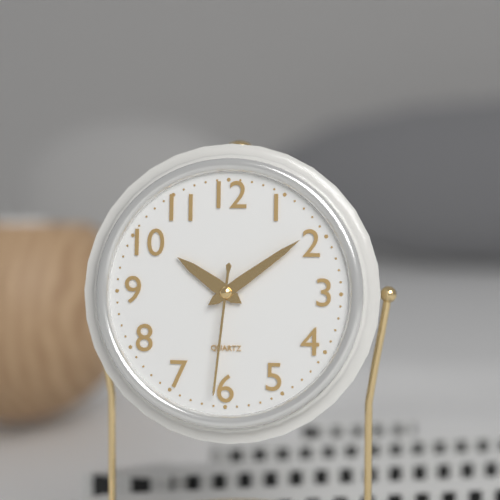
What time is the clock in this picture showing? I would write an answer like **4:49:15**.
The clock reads **10:09:31**
